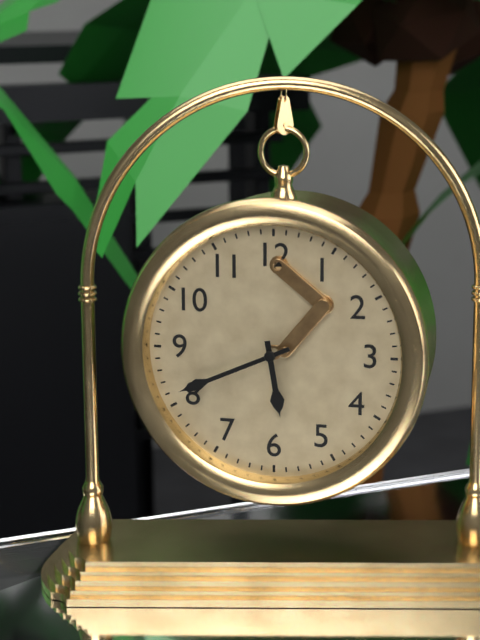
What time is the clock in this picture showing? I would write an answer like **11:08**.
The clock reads **5:41**
